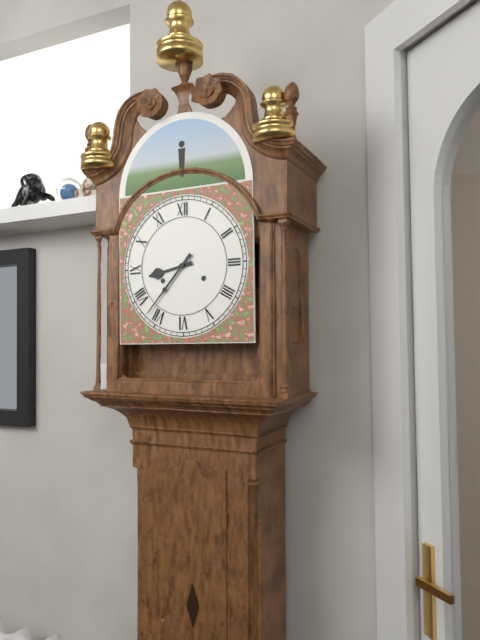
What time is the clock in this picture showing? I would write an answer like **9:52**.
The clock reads **8:37**
